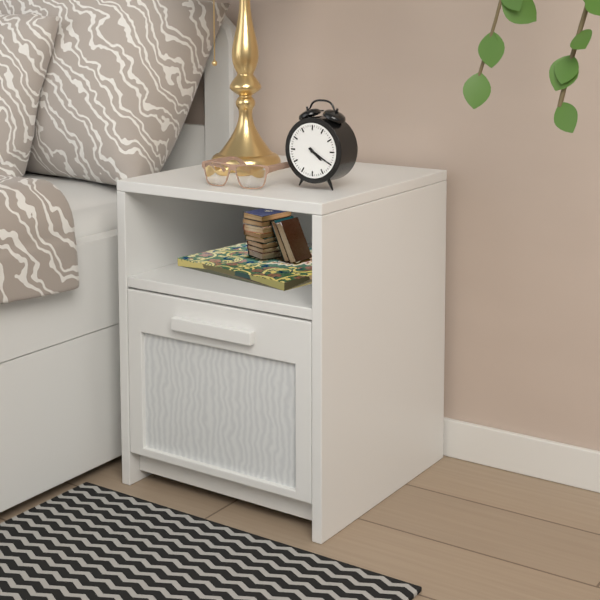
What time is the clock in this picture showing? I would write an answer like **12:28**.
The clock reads **4:20**
